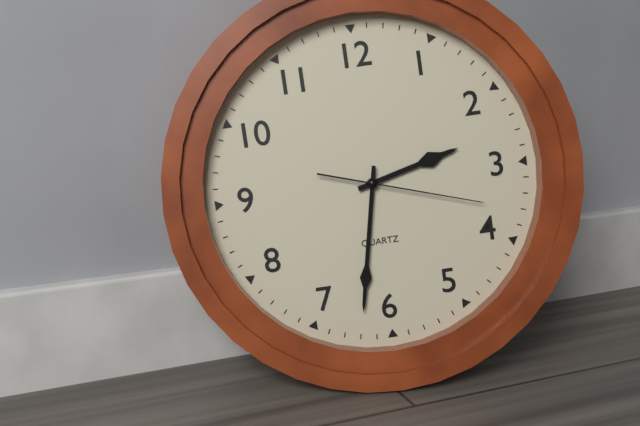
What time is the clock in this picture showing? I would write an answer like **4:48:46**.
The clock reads **2:32:18**
